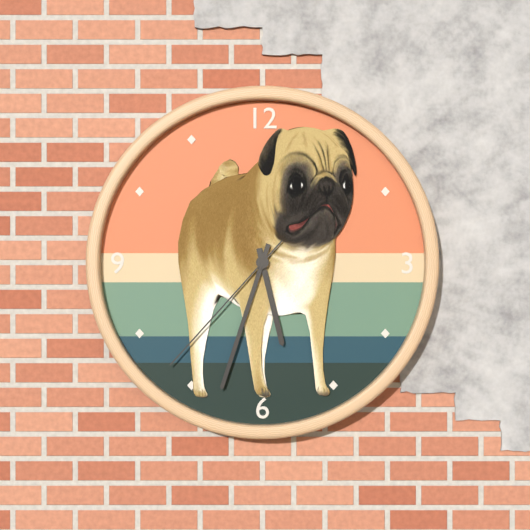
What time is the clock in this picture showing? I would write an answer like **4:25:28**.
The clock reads **5:33:37**
